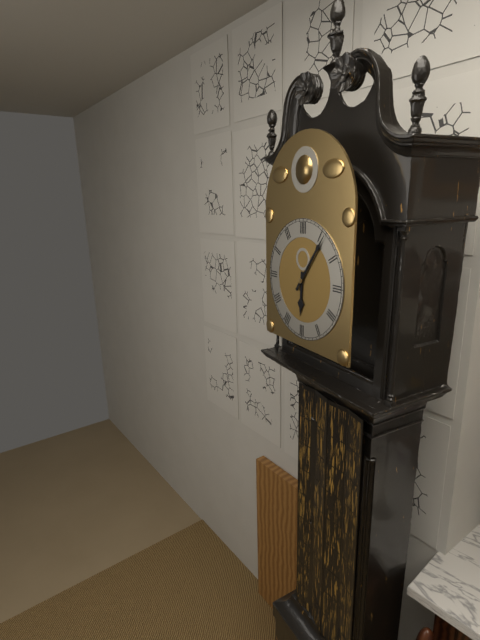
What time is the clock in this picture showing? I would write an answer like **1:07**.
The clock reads **6:06**
